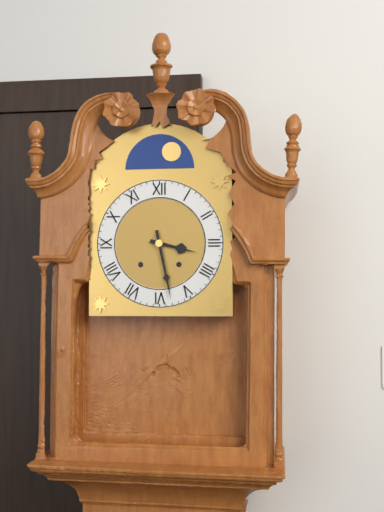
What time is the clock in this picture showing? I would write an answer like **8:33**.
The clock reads **3:28**
